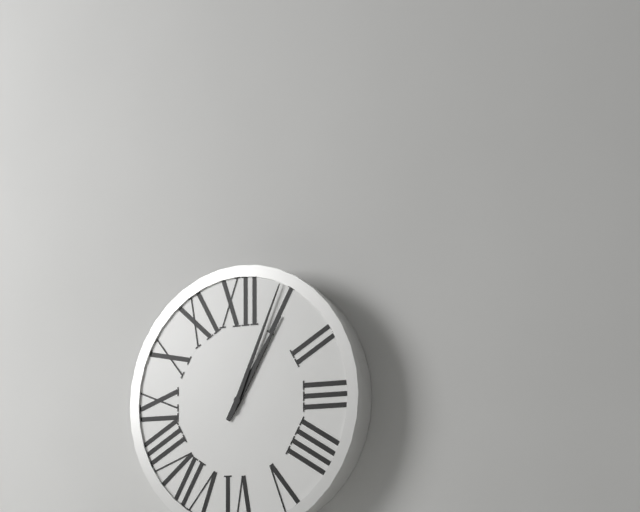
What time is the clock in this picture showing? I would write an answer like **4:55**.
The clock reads **1:04**
